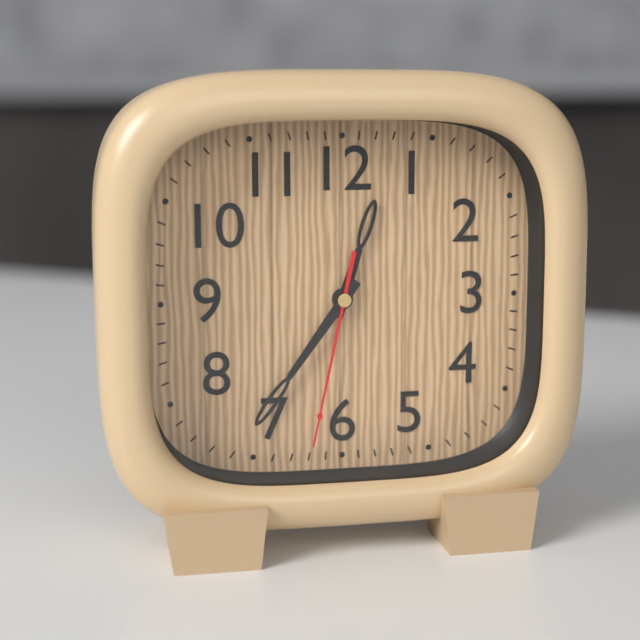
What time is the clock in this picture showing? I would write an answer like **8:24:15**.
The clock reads **12:36:32**
